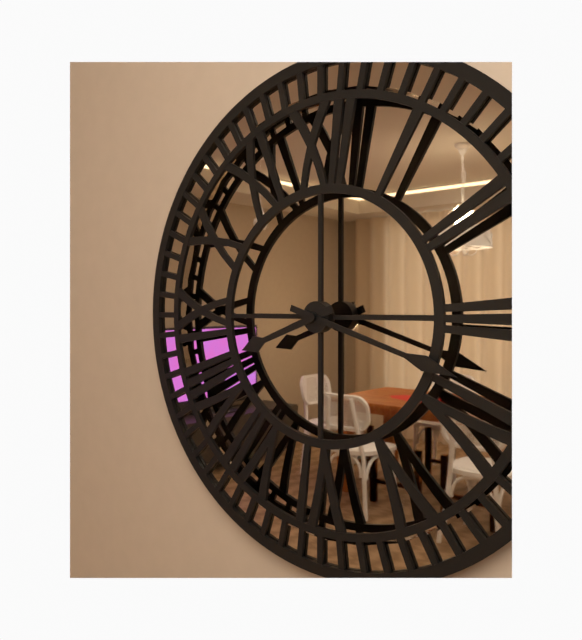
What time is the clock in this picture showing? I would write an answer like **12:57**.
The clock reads **8:18**
